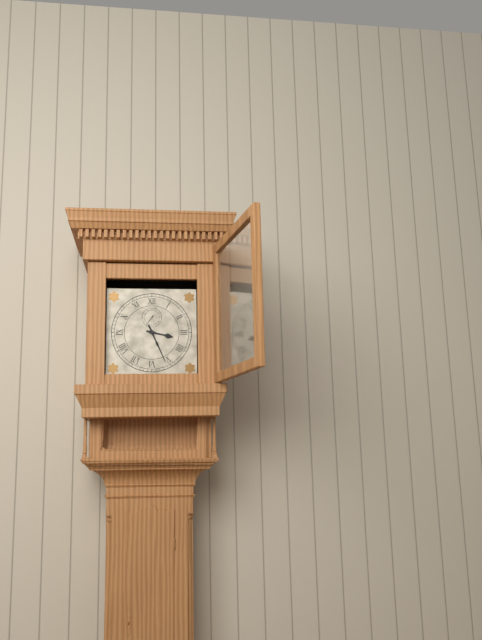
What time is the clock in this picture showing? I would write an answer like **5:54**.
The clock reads **3:26**
